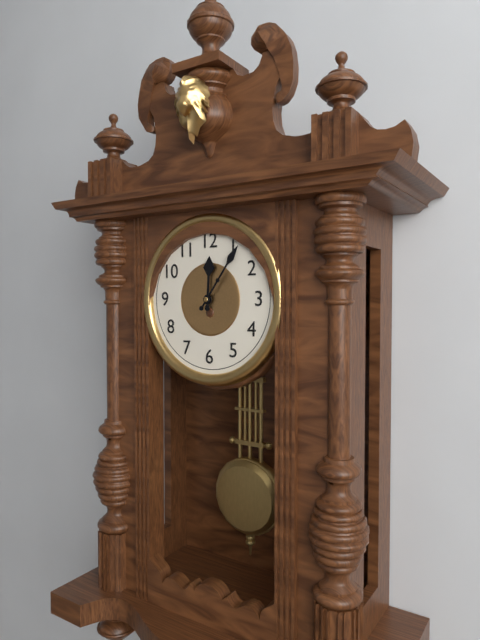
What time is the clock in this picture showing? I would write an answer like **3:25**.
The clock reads **12:06**
